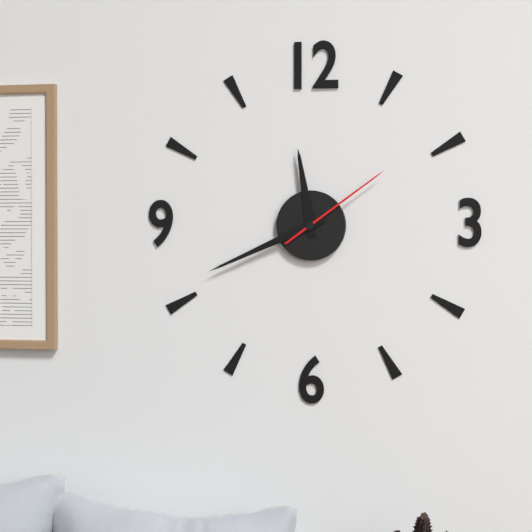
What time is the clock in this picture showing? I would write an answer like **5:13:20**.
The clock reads **11:41:09**
